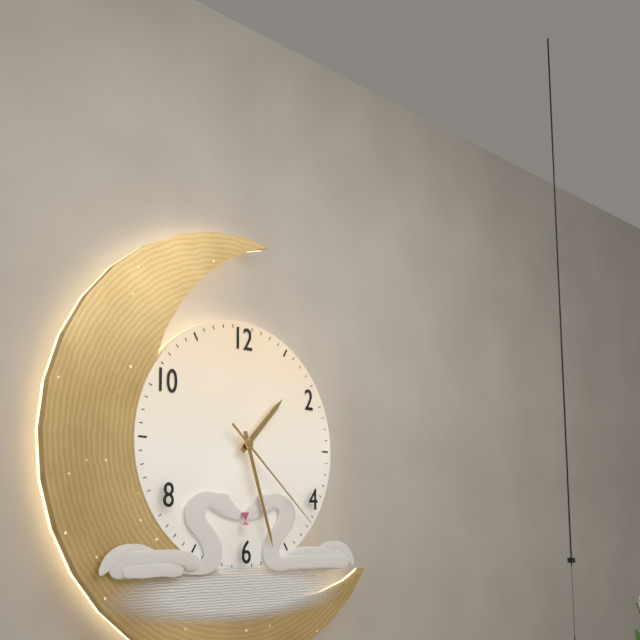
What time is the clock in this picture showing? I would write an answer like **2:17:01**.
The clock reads **1:27:22**
